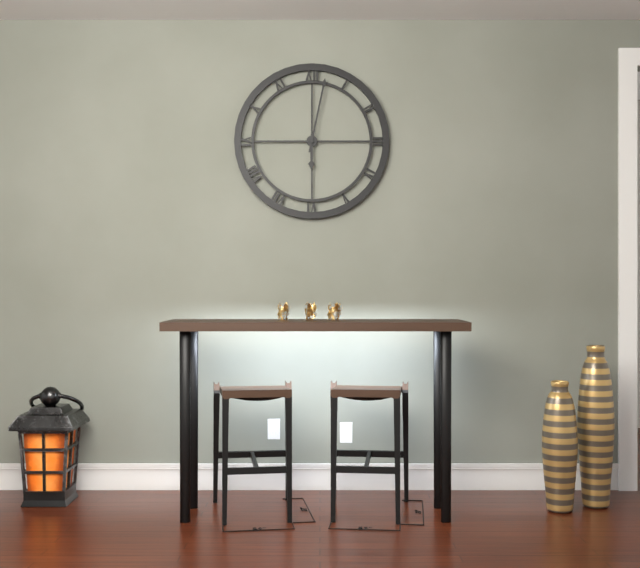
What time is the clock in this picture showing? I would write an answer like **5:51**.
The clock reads **6:02**
